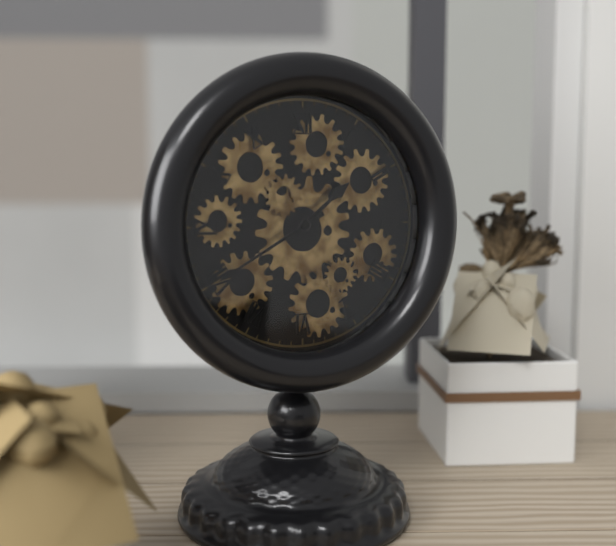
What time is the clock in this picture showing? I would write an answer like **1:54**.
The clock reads **1:40**
